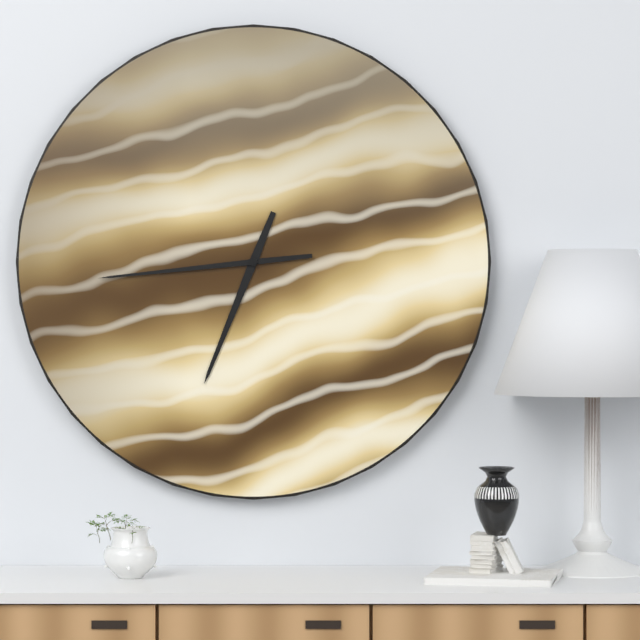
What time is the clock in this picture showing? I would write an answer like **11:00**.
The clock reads **6:44**
